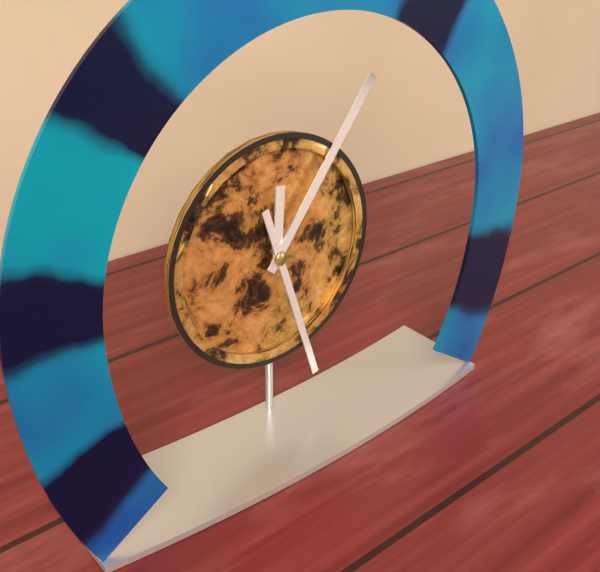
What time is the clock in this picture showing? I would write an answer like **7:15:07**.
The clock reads **12:06:27**
